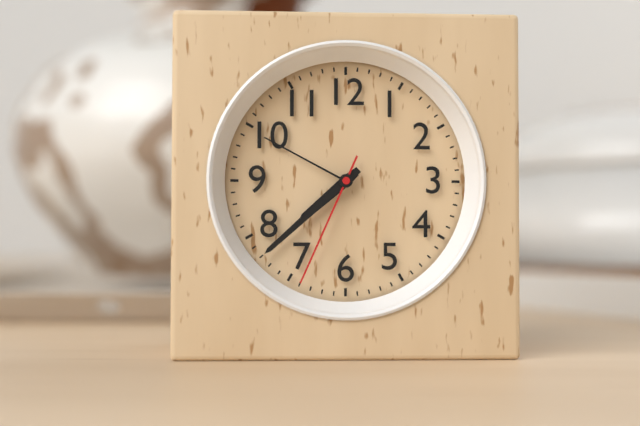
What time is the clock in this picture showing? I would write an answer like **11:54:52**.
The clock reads **7:38:34**
